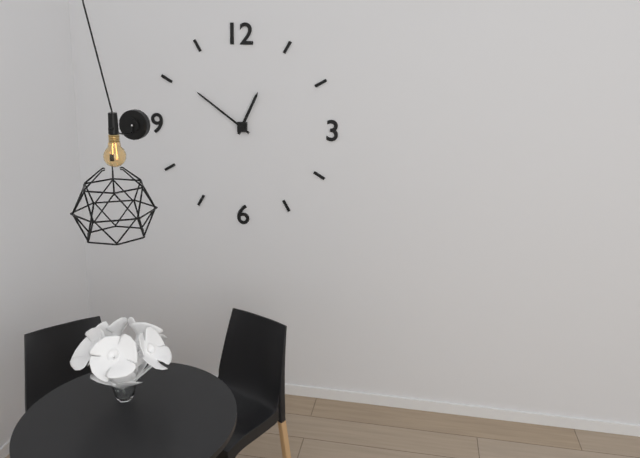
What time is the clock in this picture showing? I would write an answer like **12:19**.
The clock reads **12:51**
